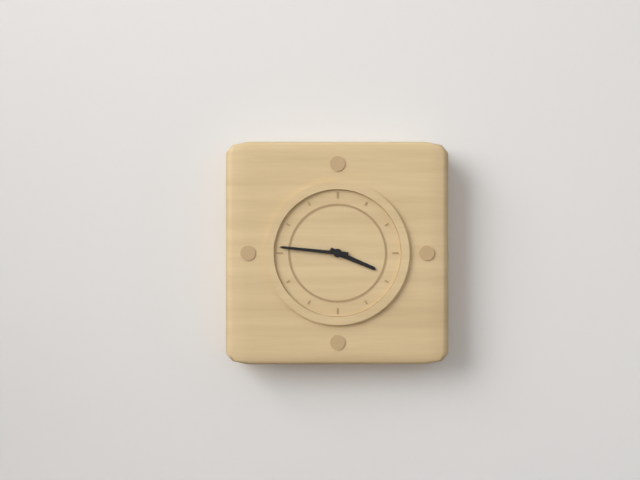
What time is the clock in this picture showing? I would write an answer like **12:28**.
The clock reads **3:46**
